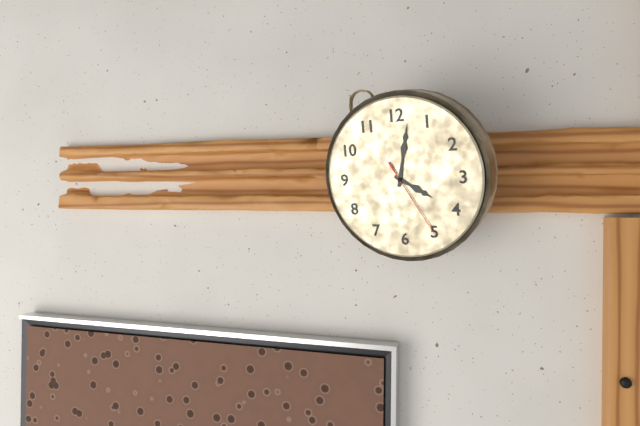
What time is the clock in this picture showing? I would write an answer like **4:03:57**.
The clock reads **4:02:25**
